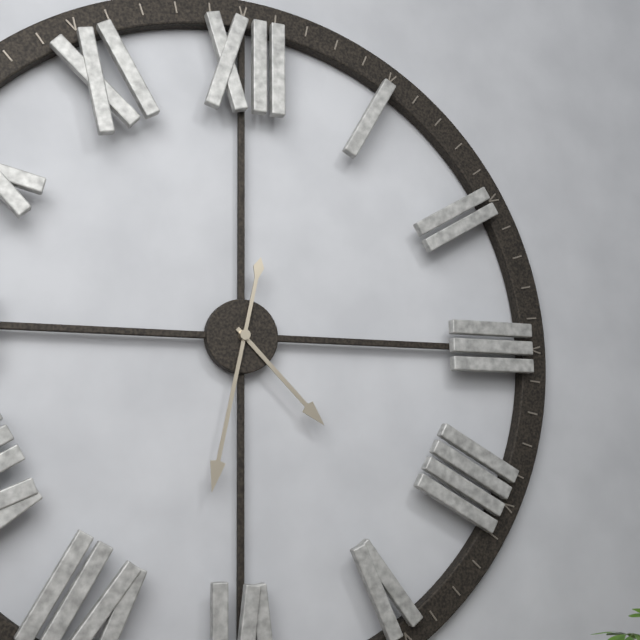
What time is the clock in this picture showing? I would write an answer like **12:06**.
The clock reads **4:32**
